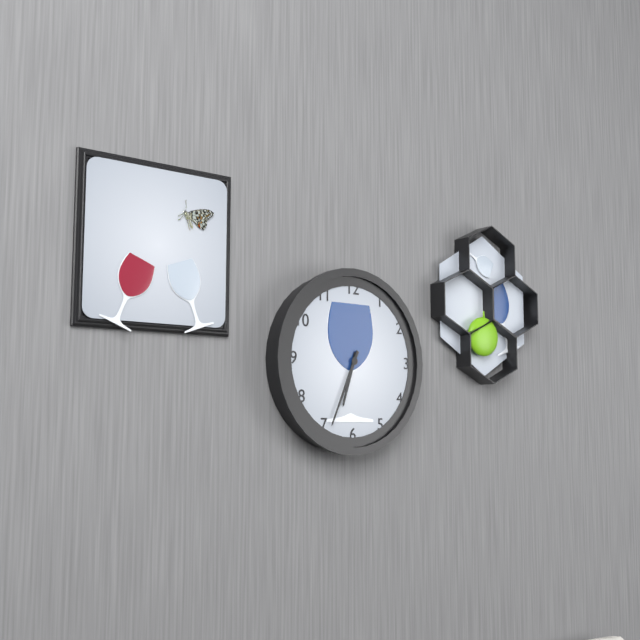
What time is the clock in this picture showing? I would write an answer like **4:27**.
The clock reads **6:34**
